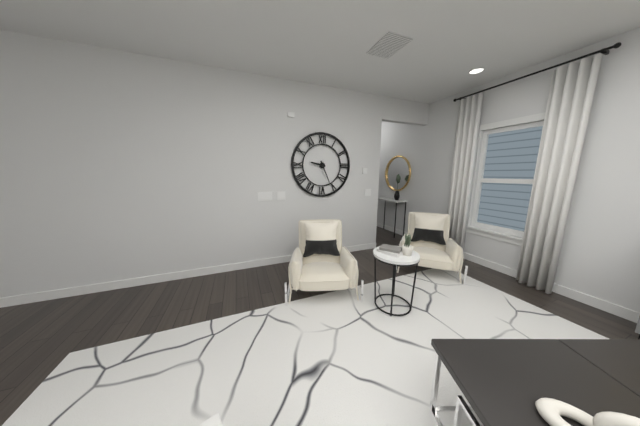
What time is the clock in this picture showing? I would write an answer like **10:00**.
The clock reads **9:26**
